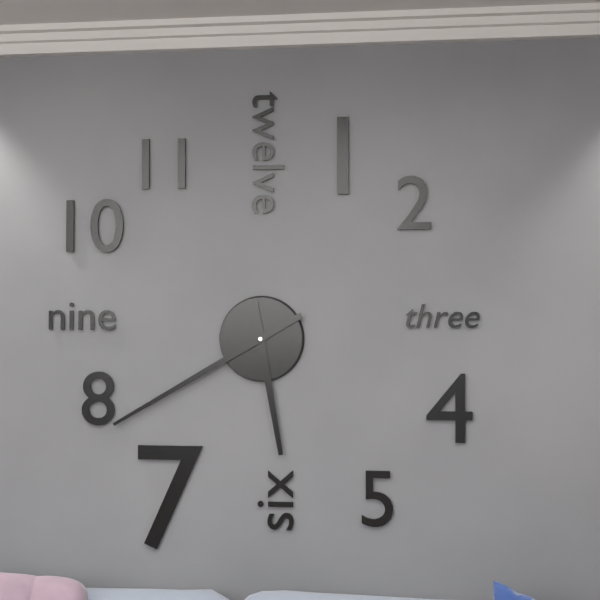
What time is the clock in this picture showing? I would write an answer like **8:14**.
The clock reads **5:40**
